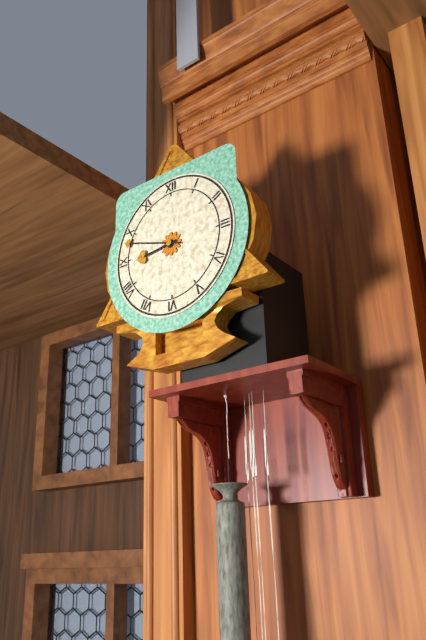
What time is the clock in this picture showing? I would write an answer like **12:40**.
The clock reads **8:48**
